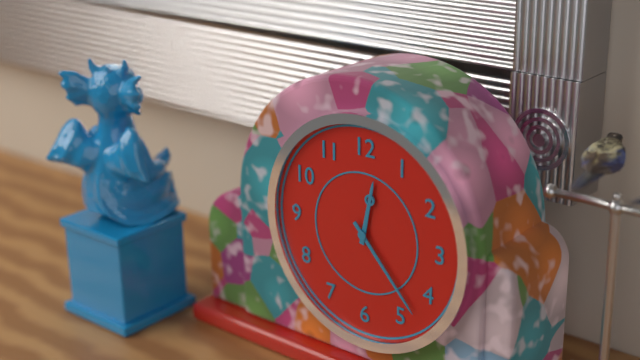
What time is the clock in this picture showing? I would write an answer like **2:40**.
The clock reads **12:23**
